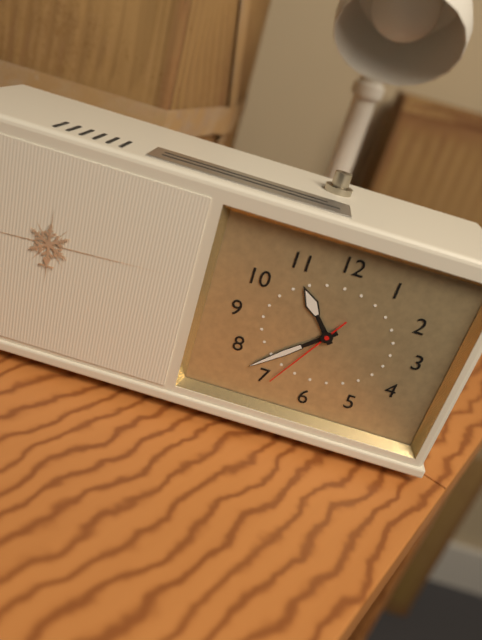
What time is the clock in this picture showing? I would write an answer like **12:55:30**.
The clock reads **10:38:35**
